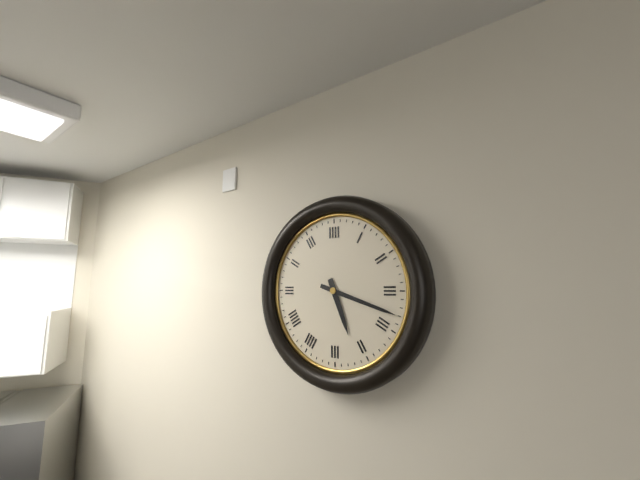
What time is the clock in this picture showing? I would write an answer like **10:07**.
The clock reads **5:18**
